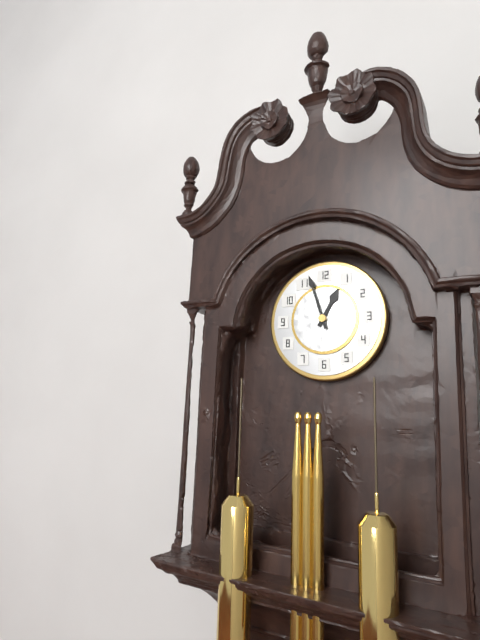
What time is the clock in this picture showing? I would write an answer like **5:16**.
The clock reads **12:57**
